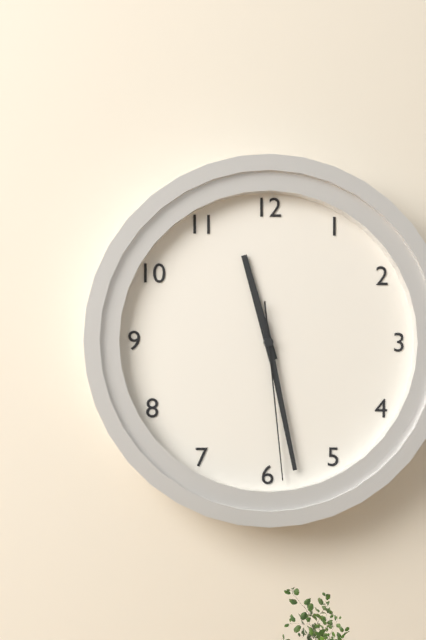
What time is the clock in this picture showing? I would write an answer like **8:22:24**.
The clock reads **11:28:29**
